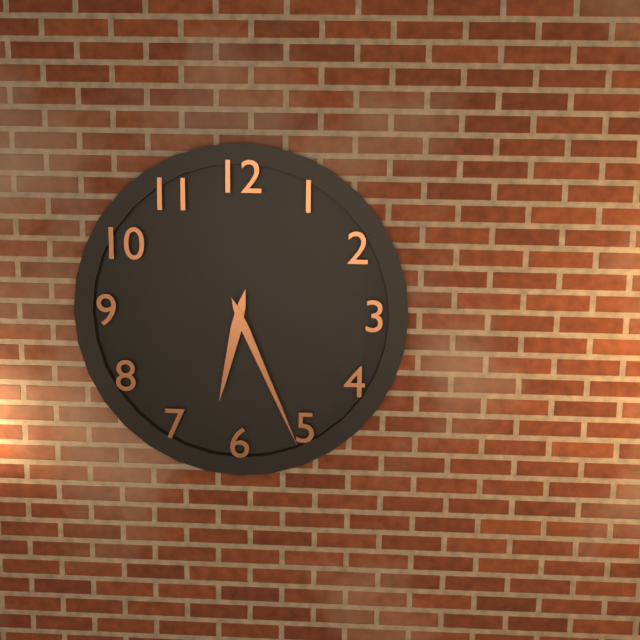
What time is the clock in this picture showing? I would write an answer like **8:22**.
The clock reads **6:26**
